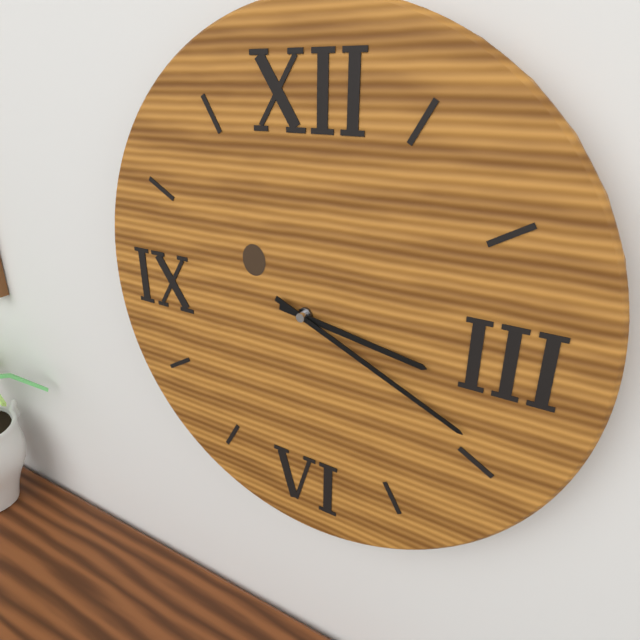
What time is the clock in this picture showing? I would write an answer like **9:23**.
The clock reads **3:19**
